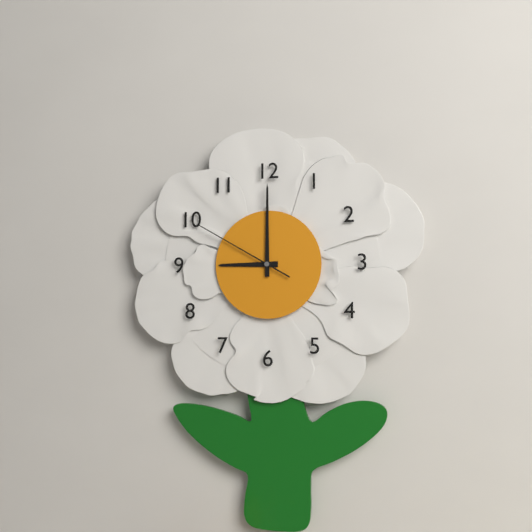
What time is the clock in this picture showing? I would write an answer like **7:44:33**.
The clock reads **9:00:50**
